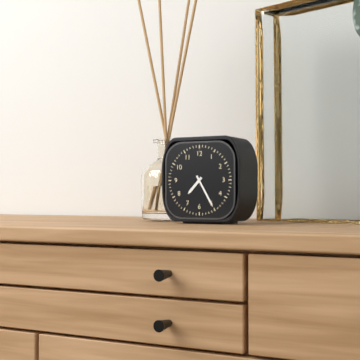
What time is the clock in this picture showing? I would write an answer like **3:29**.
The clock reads **7:25**
